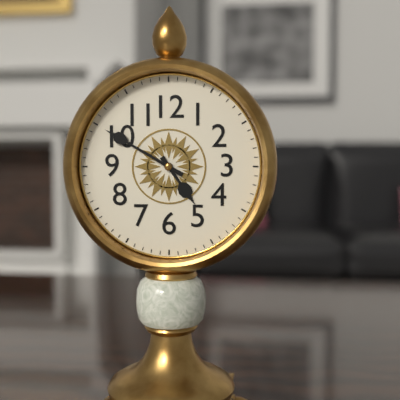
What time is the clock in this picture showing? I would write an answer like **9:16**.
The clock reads **4:50**
